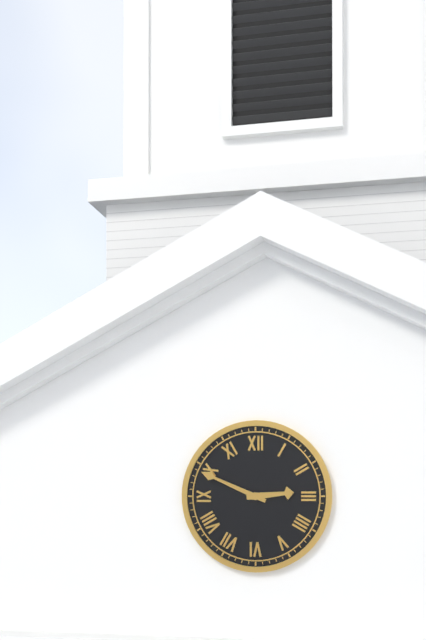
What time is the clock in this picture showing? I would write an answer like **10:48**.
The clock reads **2:49**
